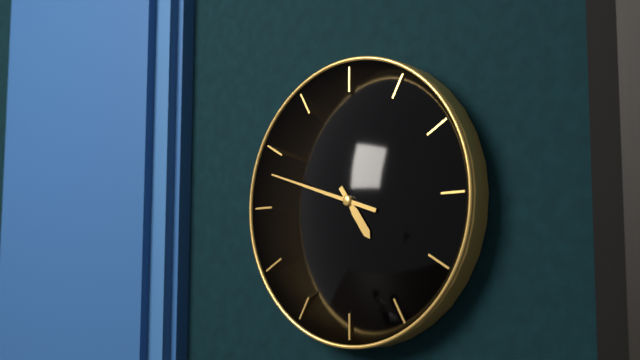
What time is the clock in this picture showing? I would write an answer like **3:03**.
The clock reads **4:48**
